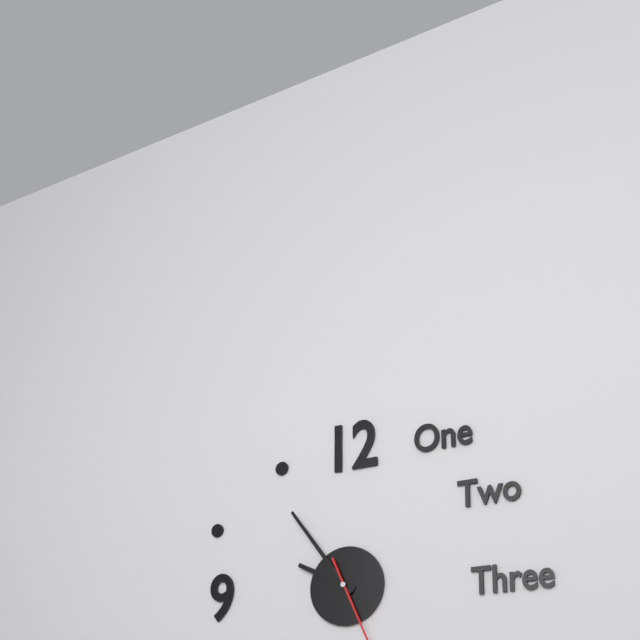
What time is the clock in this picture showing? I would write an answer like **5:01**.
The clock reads **9:54**
